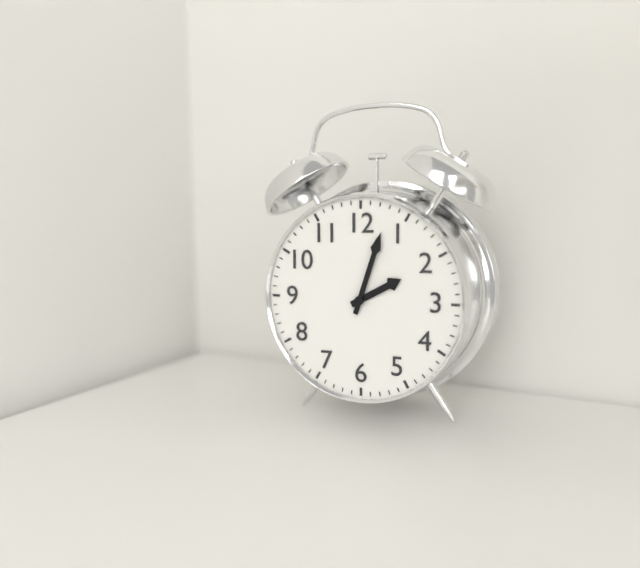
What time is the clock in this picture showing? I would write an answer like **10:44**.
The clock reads **2:03**
